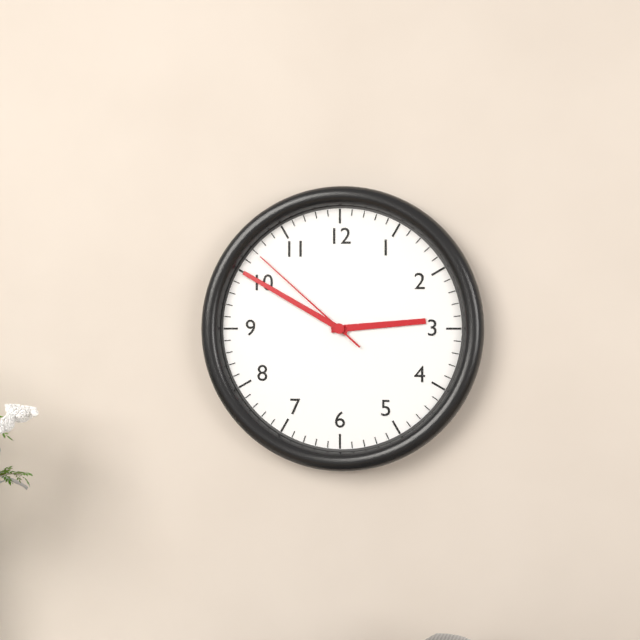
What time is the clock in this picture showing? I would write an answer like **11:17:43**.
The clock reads **2:50:52**
